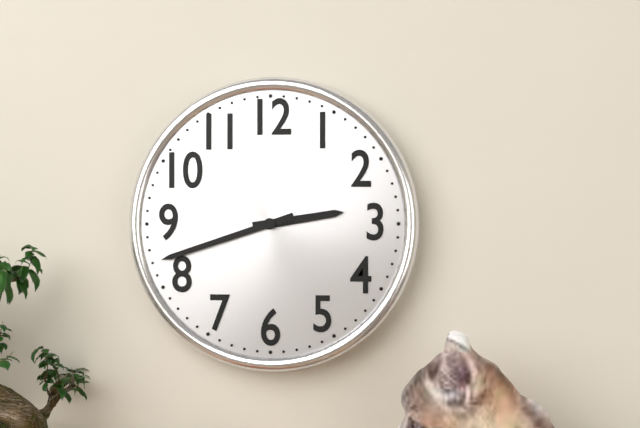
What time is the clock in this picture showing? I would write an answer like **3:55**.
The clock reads **2:42**
